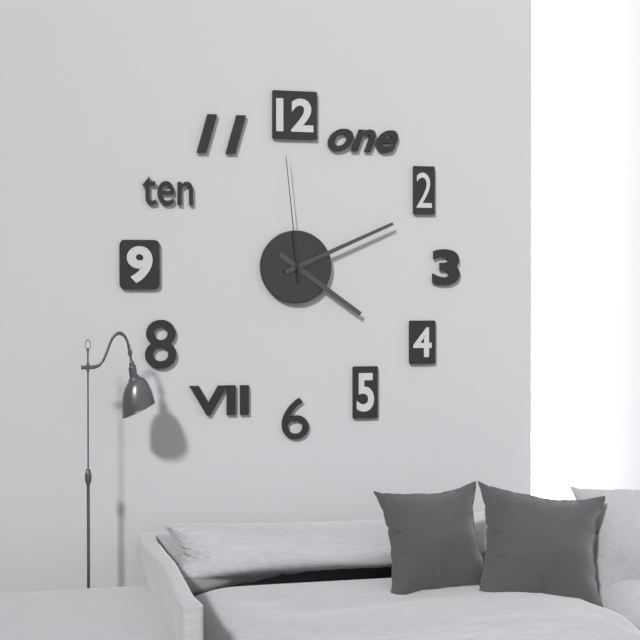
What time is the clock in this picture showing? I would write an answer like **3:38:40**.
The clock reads **4:11:59**
